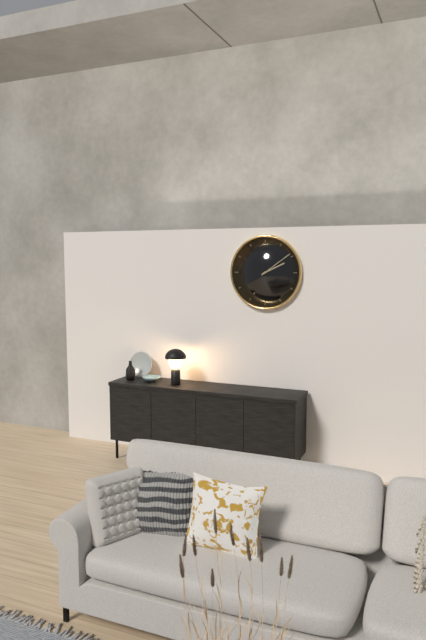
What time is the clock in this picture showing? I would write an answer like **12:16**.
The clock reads **2:09**
